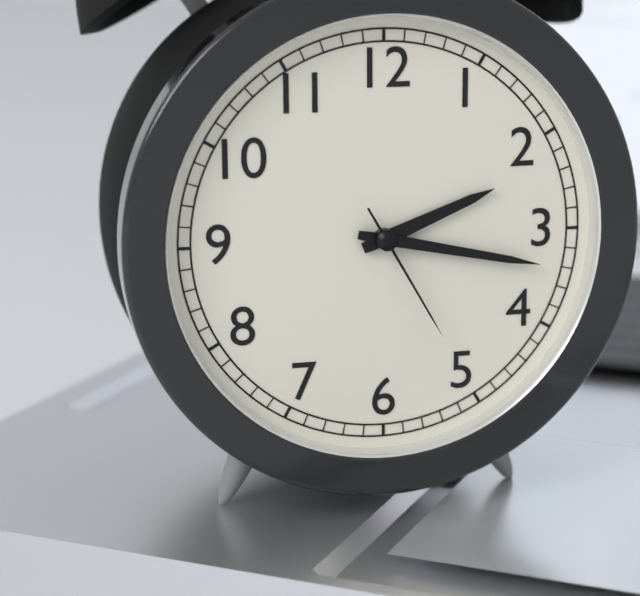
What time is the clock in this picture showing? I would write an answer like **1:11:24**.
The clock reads **2:17:25**
